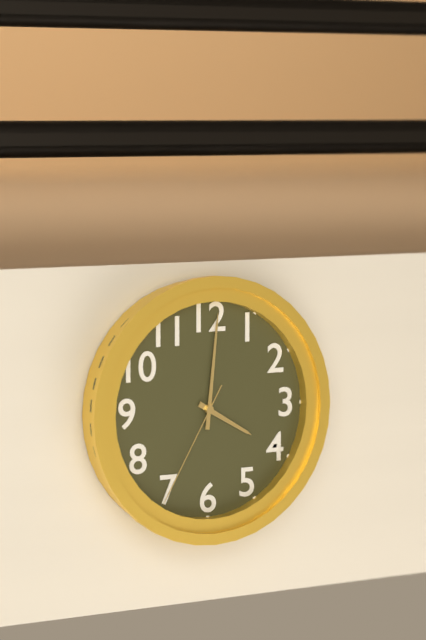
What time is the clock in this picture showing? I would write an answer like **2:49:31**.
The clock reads **4:01:35**
